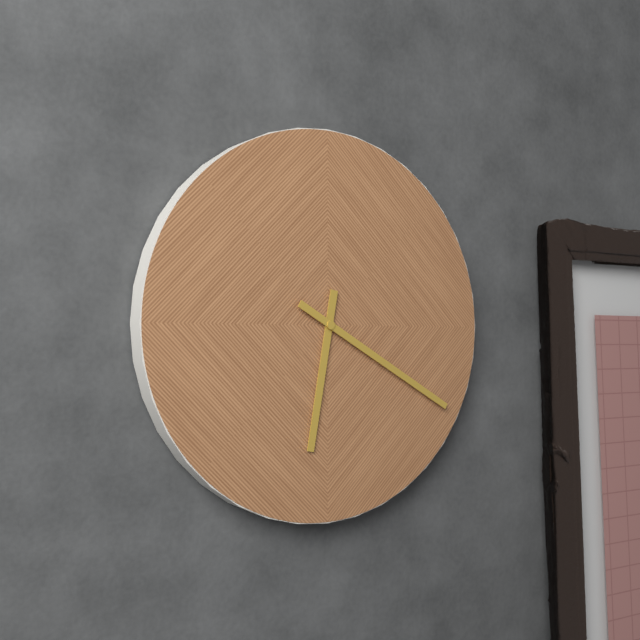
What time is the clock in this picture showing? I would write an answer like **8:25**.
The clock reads **6:20**
